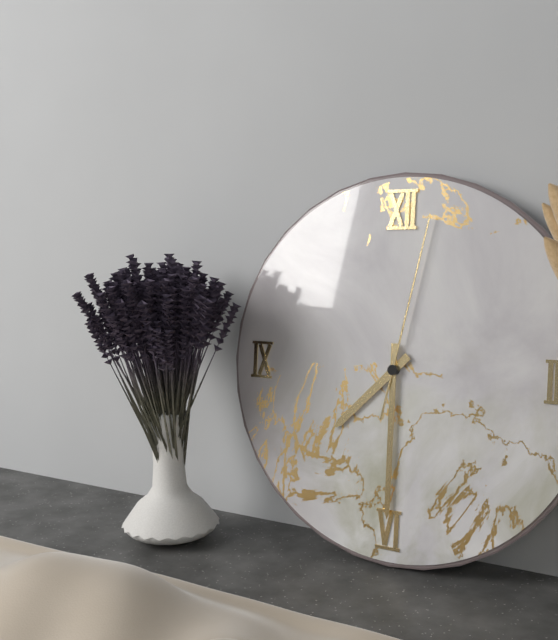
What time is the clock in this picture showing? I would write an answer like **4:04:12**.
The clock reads **7:30:02**
